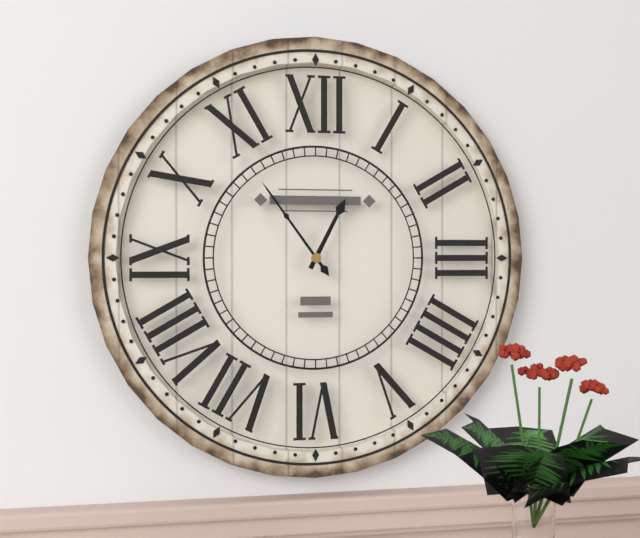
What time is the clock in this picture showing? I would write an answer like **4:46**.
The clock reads **12:54**
